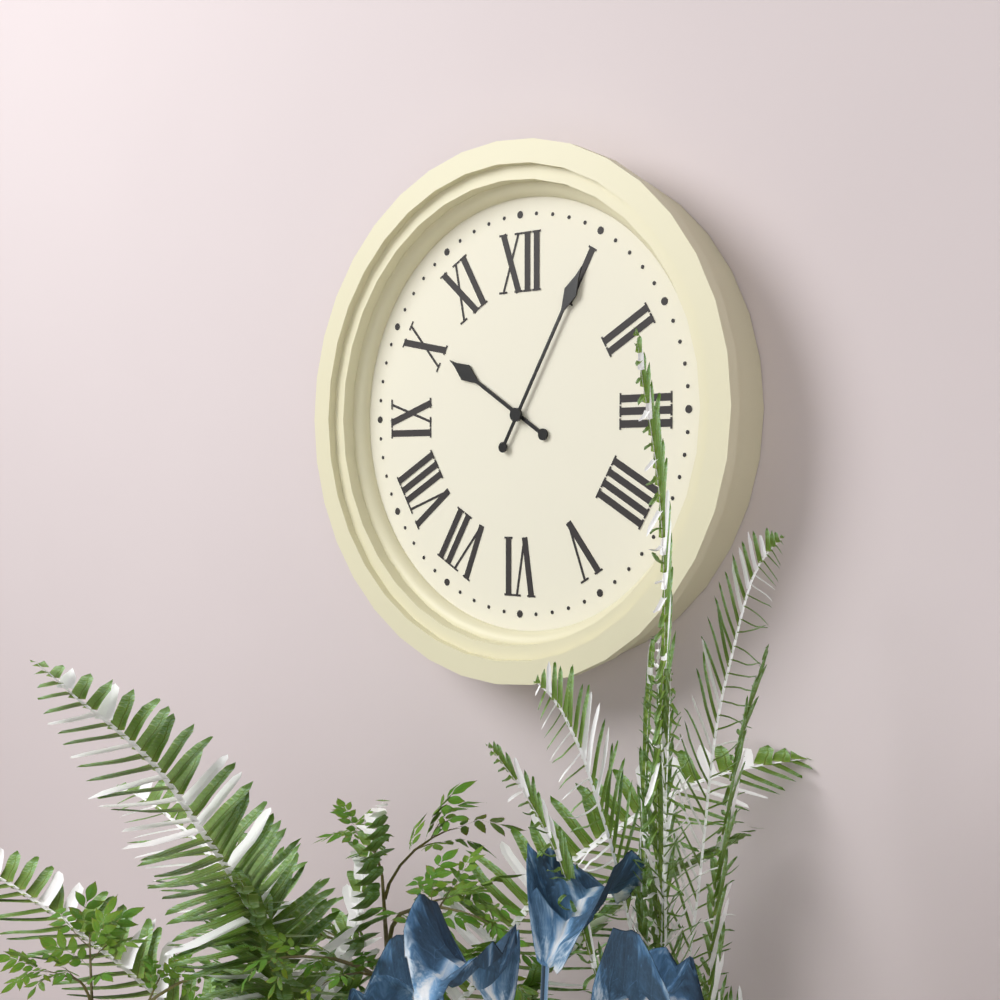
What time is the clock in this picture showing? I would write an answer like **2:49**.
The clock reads **10:05**
